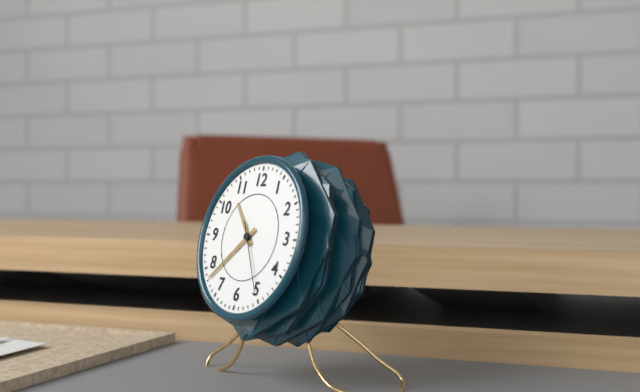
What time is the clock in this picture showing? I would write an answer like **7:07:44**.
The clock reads **10:38:25**
